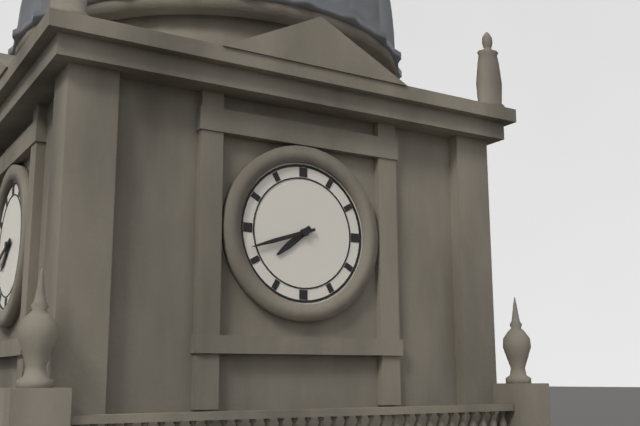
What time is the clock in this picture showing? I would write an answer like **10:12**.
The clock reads **7:42**
